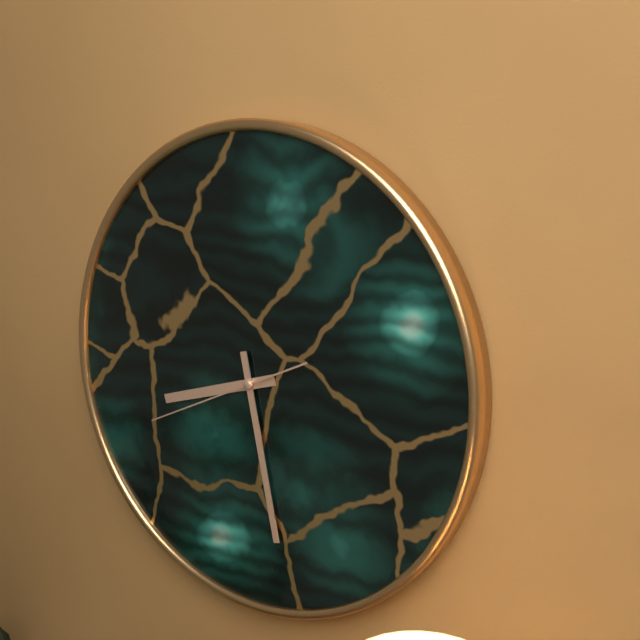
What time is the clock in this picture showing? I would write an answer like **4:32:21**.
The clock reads **8:28:41**
